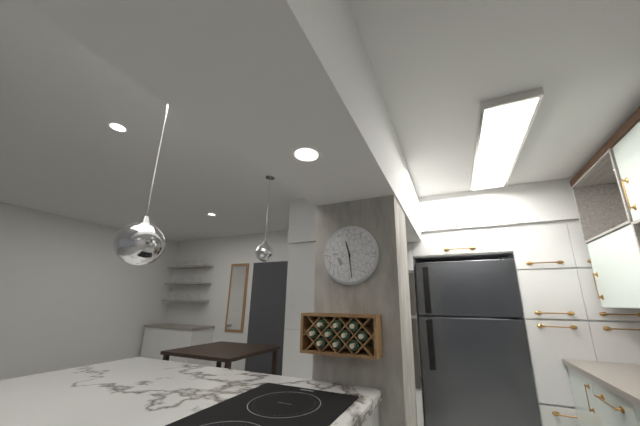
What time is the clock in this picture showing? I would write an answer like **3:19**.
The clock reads **11:29**
